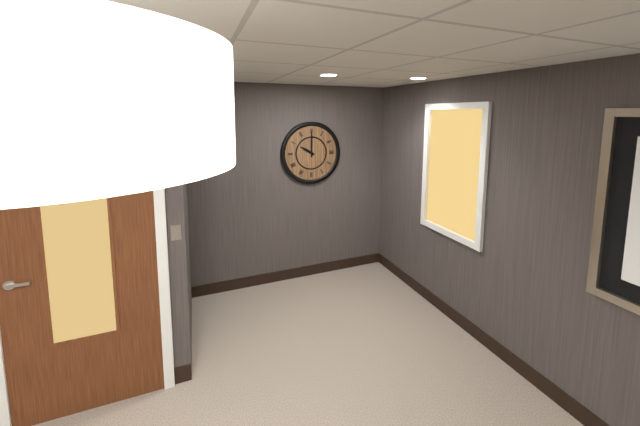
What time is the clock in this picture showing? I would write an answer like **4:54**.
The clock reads **10:00**
